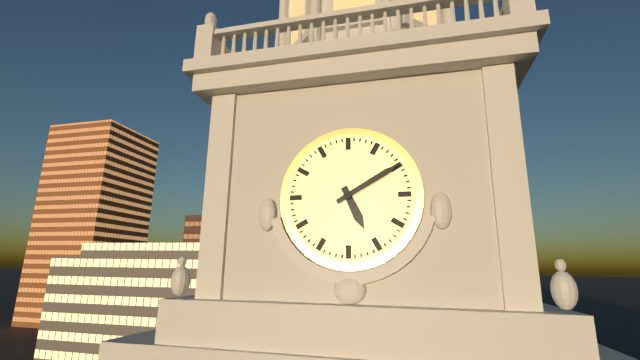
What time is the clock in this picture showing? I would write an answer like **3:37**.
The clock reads **5:10**
